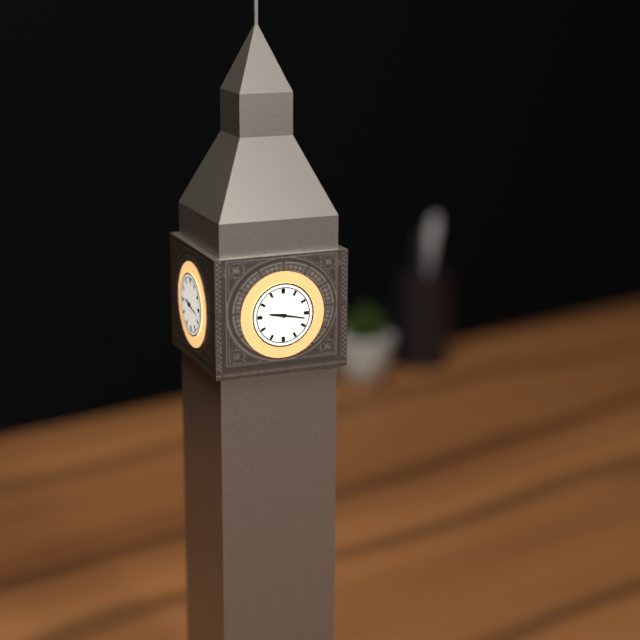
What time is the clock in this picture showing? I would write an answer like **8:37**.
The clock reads **9:17**
